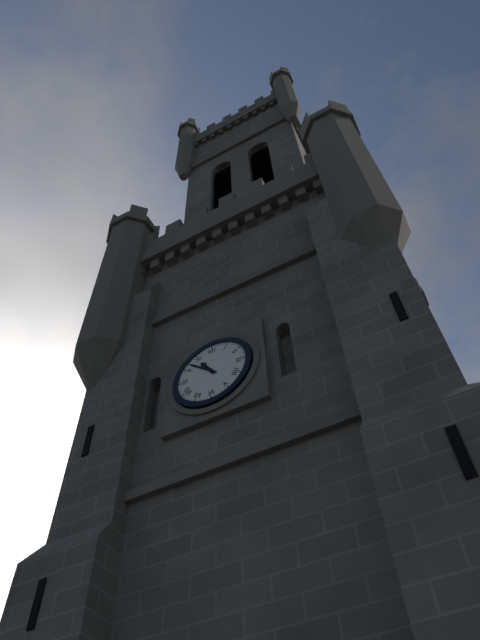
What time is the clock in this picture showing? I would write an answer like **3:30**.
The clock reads **10:52**
